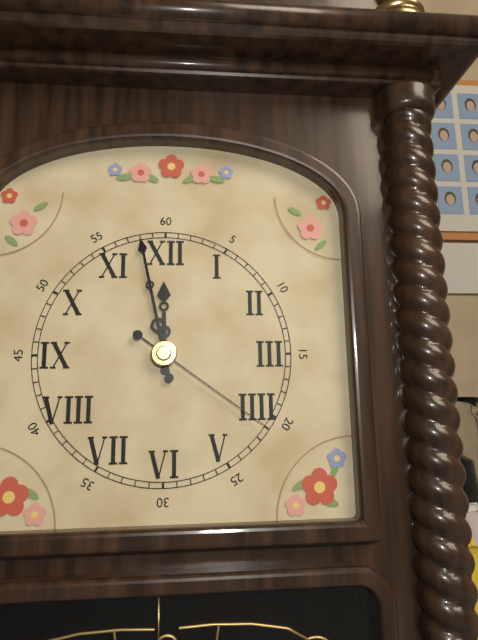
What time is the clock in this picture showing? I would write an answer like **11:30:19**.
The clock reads **11:58:21**
